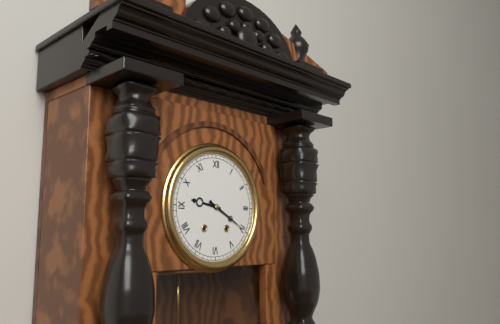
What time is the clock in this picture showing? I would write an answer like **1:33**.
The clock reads **9:20**
